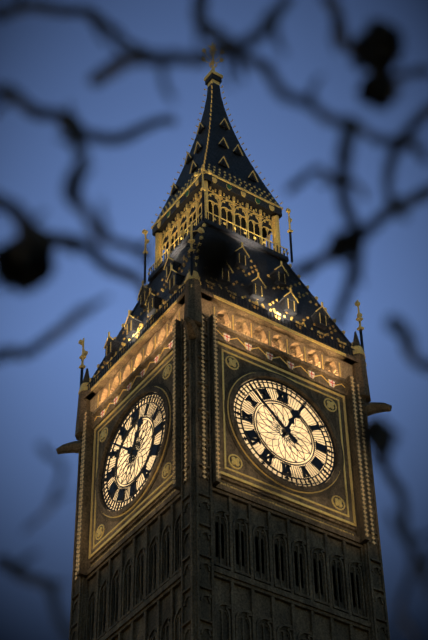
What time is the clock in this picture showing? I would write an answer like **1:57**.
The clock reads **12:52**
